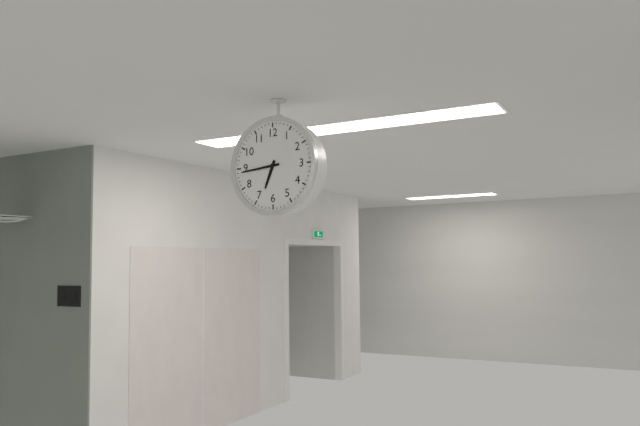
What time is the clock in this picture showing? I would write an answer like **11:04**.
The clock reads **6:44**
